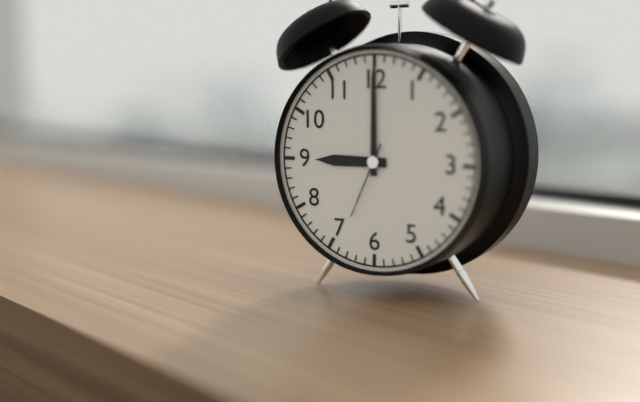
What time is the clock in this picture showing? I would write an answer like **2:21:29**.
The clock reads **9:00:34**
